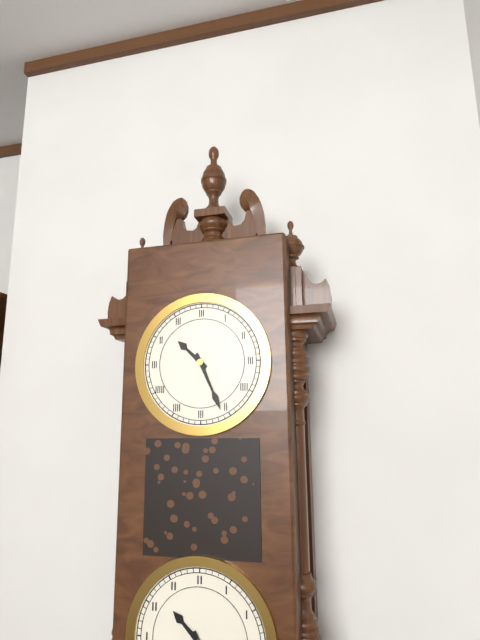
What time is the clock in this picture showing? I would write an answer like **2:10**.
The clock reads **10:26**
